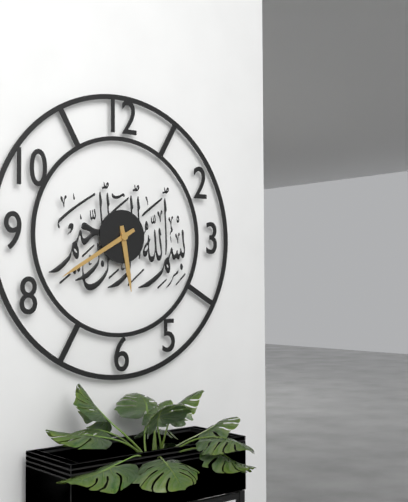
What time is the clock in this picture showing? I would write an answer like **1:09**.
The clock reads **5:40**
